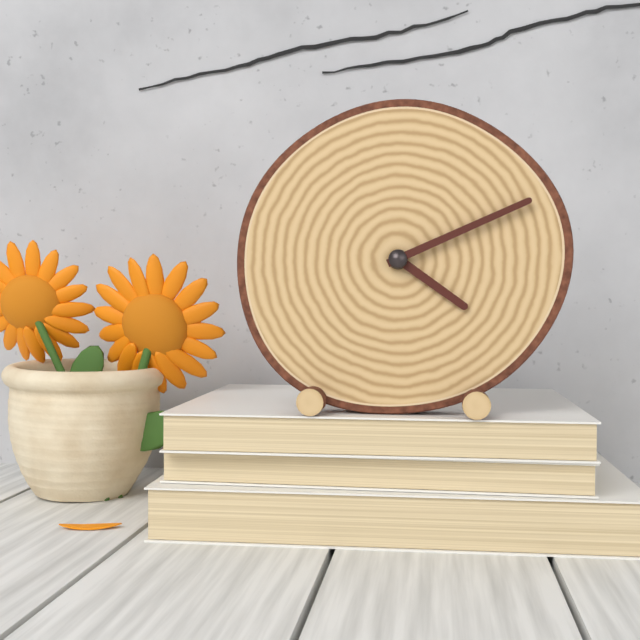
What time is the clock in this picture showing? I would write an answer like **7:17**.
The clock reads **4:11**
